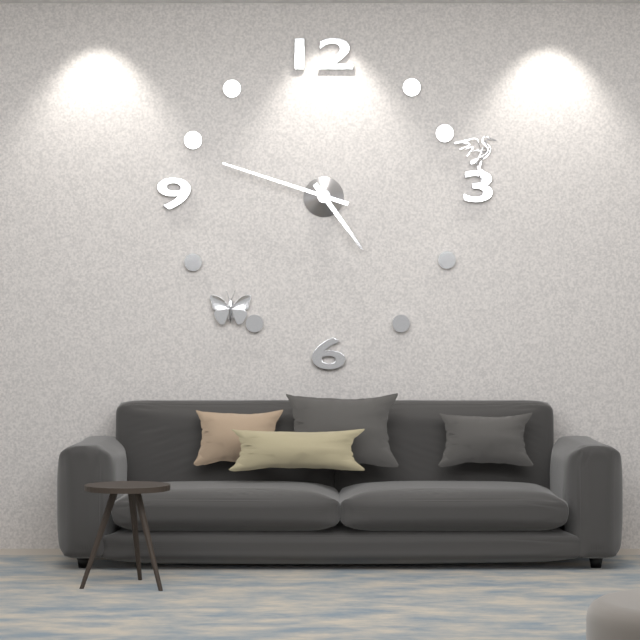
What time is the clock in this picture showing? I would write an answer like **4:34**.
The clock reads **4:48**
